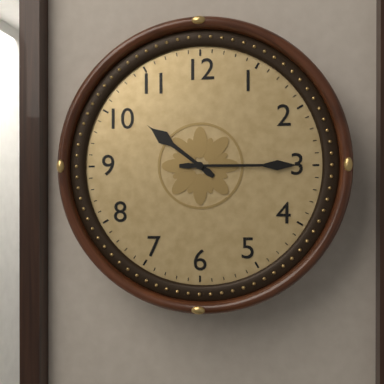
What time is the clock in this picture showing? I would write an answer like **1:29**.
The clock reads **10:15**
